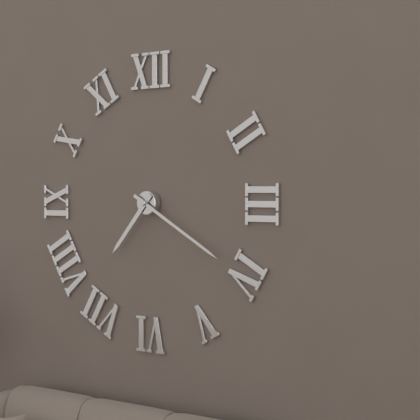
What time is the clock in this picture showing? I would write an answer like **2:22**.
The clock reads **7:20**
